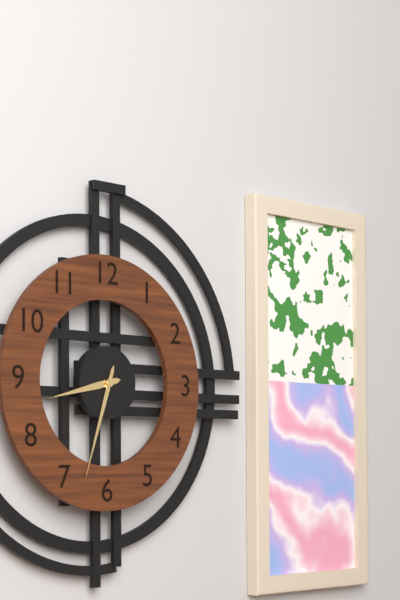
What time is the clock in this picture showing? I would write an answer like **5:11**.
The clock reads **8:33**
